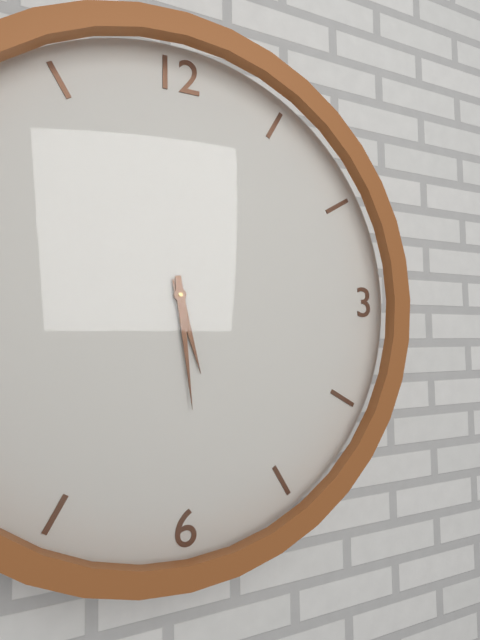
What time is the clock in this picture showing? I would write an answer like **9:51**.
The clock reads **5:29**
